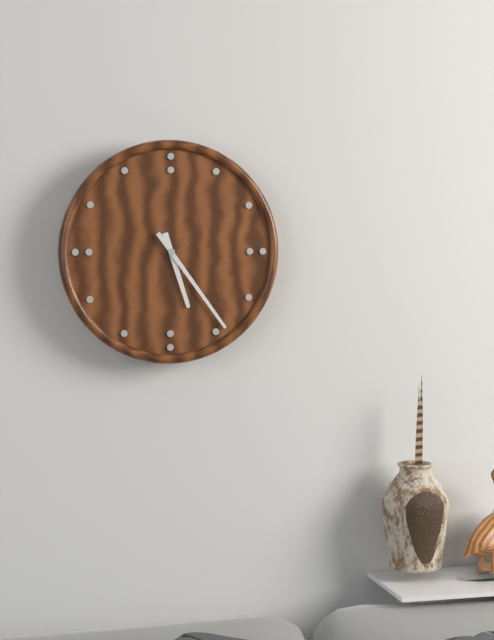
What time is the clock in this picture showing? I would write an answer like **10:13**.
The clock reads **5:24**
